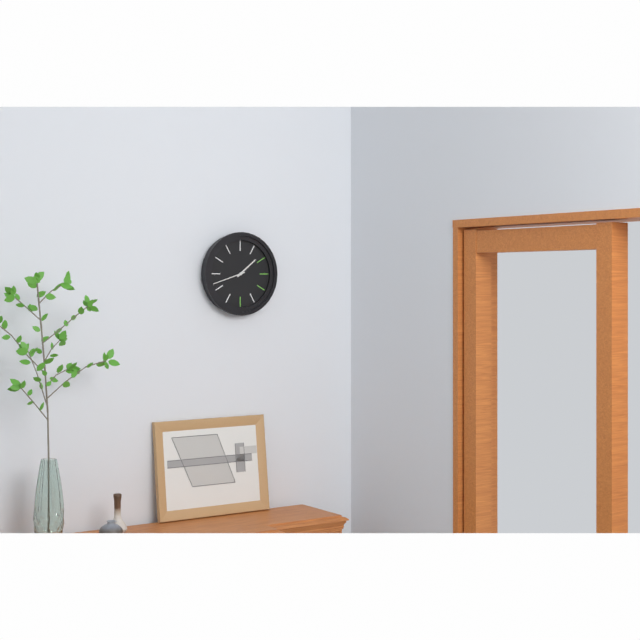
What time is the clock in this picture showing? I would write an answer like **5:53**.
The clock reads **1:42**
